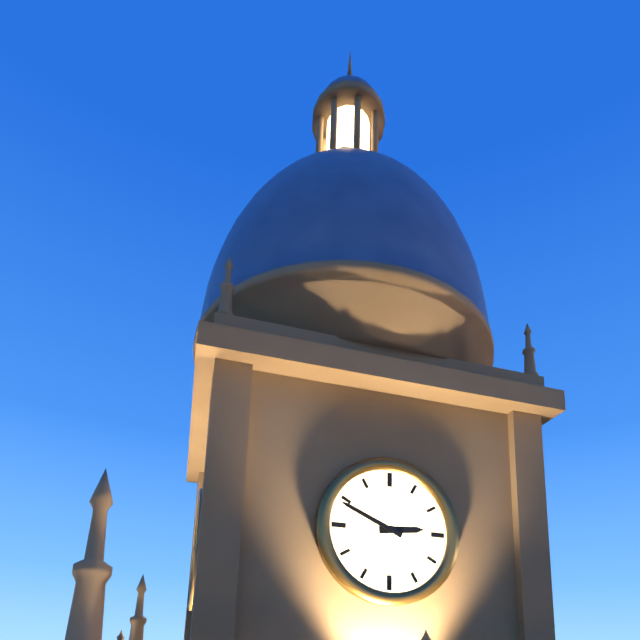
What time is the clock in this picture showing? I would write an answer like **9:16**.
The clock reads **2:49**
